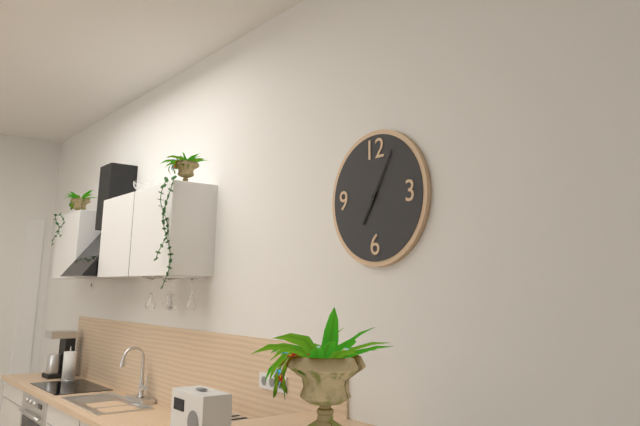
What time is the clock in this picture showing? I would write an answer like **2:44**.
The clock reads **7:05**
